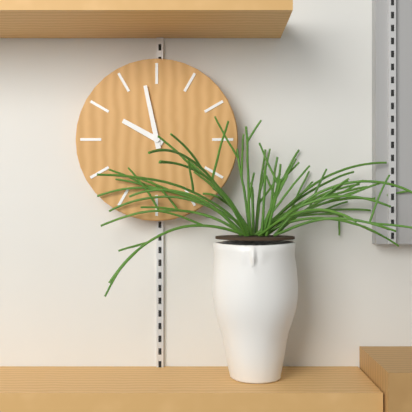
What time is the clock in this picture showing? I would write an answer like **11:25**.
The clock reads **9:58**
